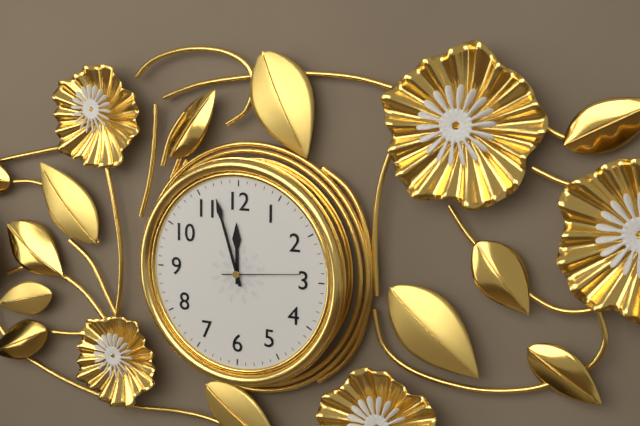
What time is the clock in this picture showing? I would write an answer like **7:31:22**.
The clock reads **11:57:14**
